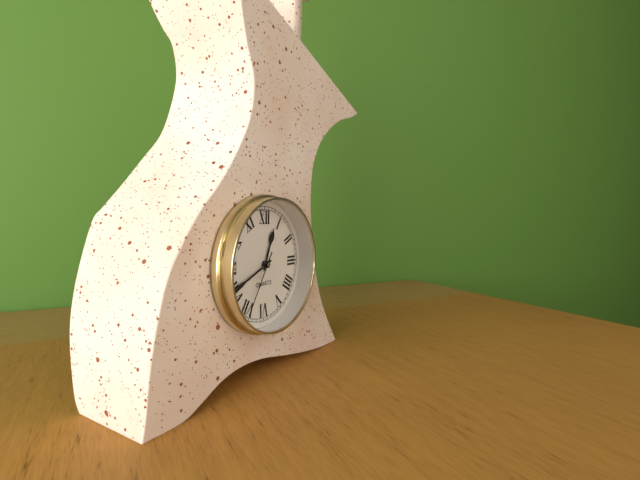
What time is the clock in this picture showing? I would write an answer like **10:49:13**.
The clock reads **12:41:35**
